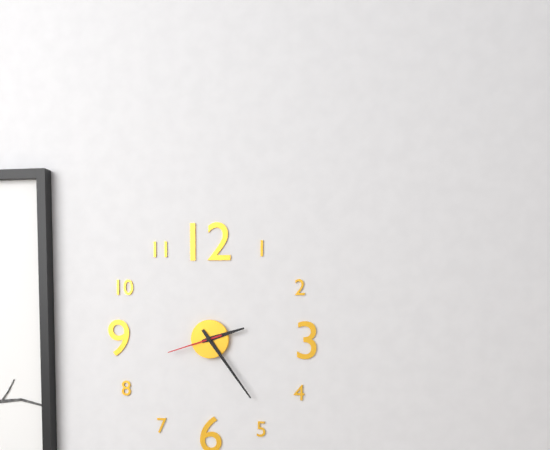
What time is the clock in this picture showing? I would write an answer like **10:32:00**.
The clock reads **2:24:42**
